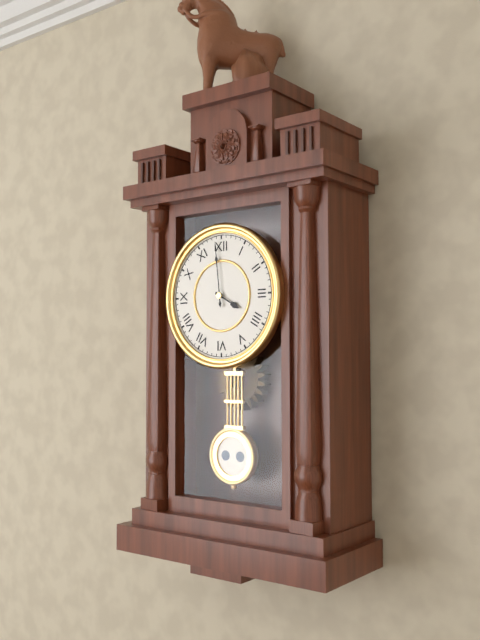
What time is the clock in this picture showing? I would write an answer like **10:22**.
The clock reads **3:59**
